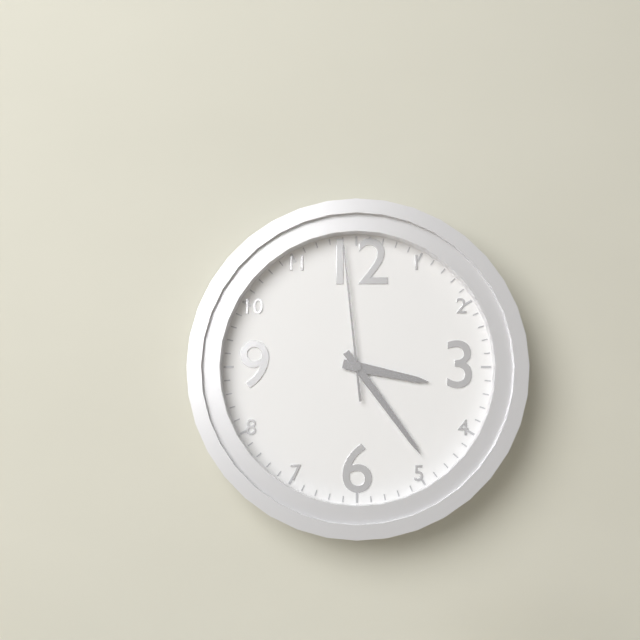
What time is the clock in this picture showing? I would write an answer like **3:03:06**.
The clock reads **3:24:59**
